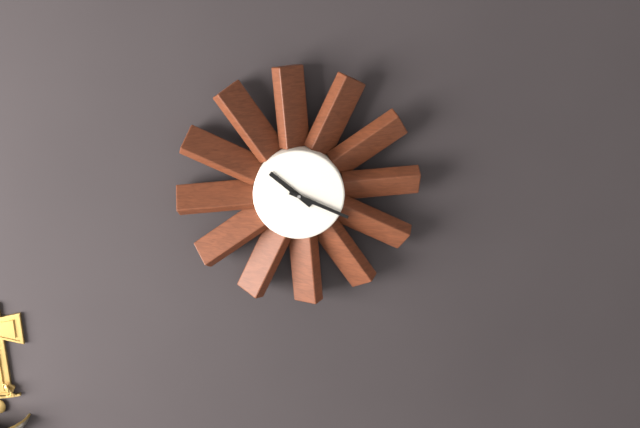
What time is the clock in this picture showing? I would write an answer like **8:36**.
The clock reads **10:19**
